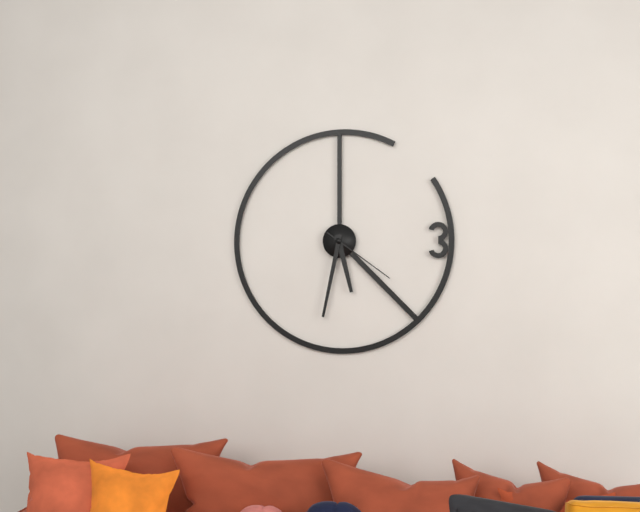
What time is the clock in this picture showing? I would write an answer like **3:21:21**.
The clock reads **5:32:21**
